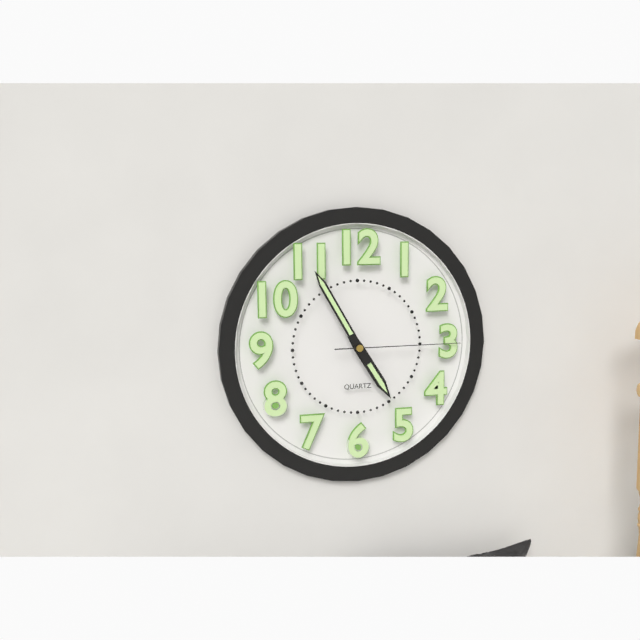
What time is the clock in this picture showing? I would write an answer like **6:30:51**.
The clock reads **4:55:15**
